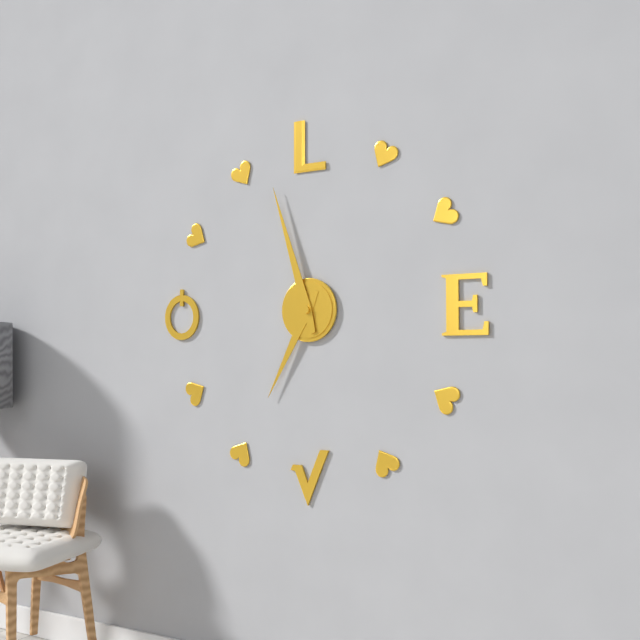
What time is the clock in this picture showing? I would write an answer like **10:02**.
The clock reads **6:57**
